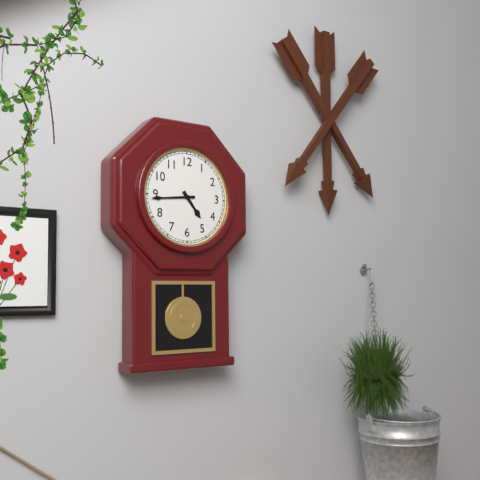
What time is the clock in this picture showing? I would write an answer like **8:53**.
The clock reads **4:44**
